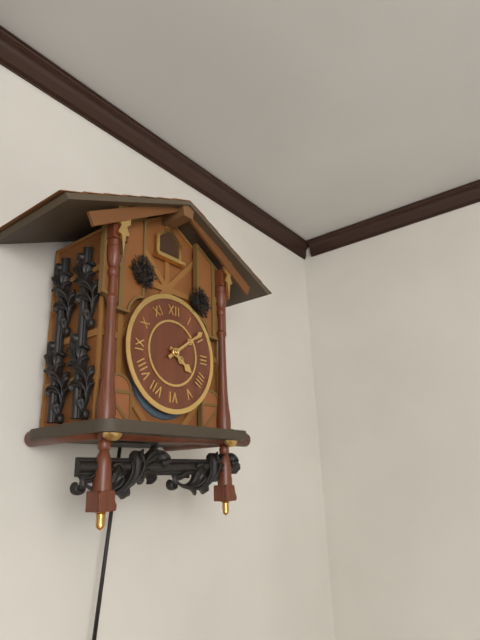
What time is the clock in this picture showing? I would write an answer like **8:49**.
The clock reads **4:09**
